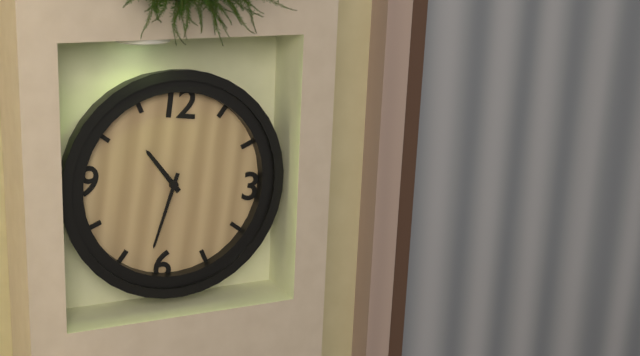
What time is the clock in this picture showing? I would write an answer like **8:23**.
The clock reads **10:32**
